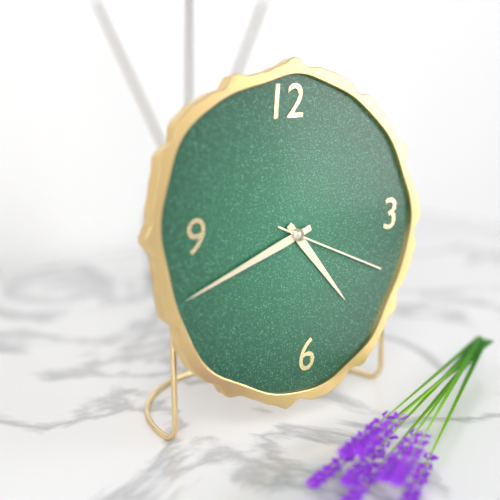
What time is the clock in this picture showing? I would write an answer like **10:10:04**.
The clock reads **4:42:19**
